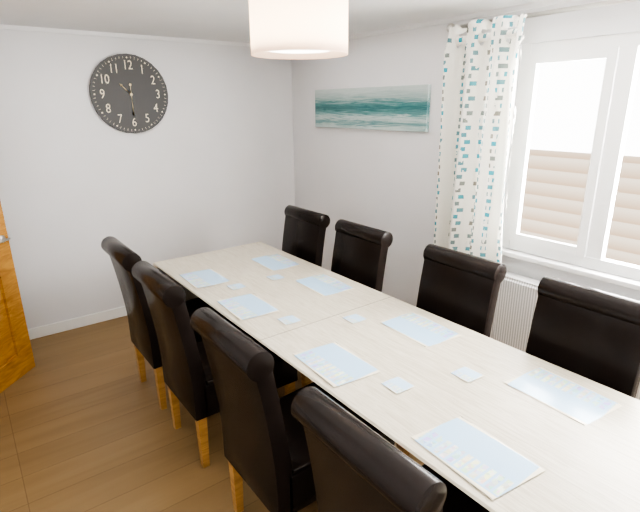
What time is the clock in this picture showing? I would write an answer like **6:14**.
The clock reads **10:30**
